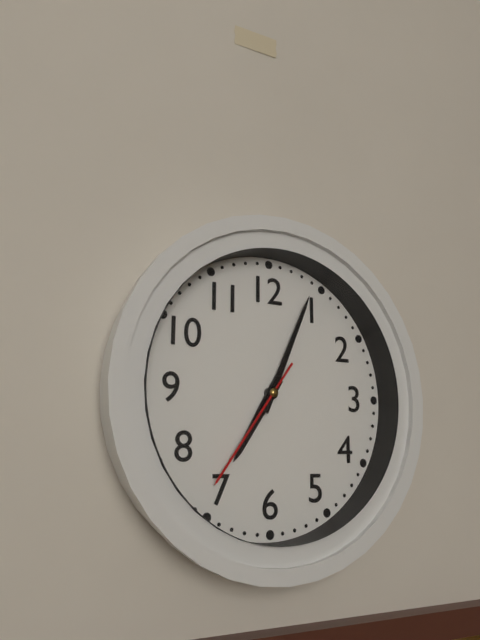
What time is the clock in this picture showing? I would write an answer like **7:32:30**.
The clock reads **7:04:36**
